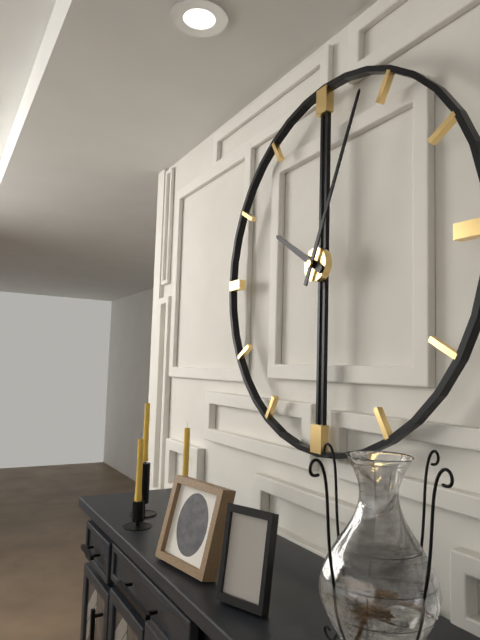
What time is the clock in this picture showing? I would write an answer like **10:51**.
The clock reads **10:04**
